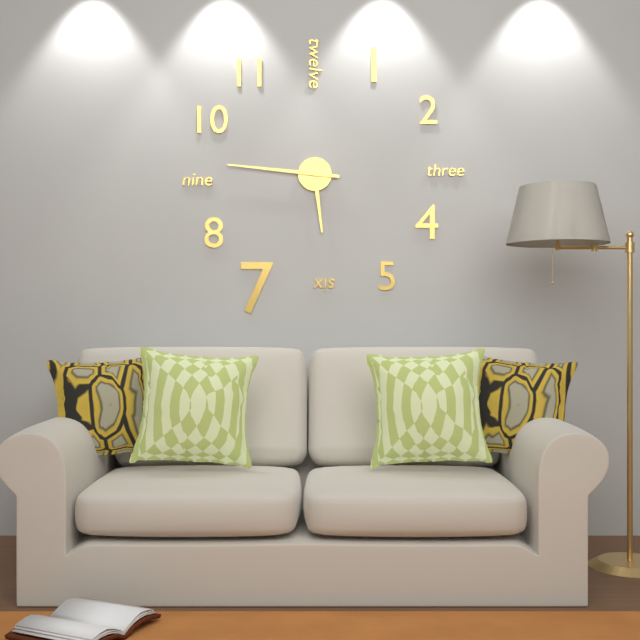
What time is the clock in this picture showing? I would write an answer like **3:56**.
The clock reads **5:46**
